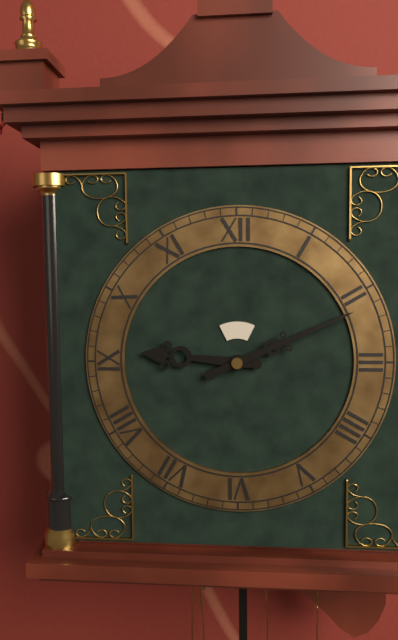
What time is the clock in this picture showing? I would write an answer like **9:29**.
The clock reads **9:11**
